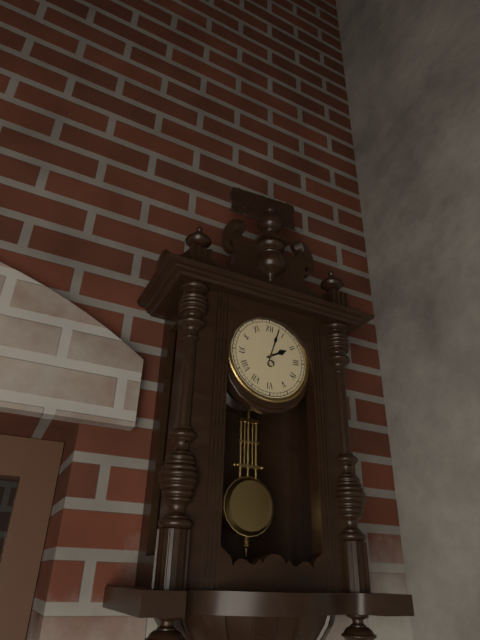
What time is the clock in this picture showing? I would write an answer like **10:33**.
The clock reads **2:03**
